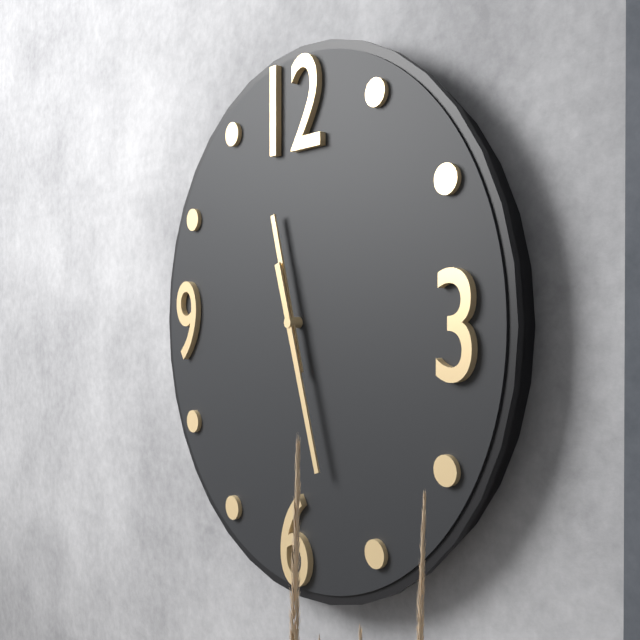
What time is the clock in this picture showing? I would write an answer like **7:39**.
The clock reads **11:27**
